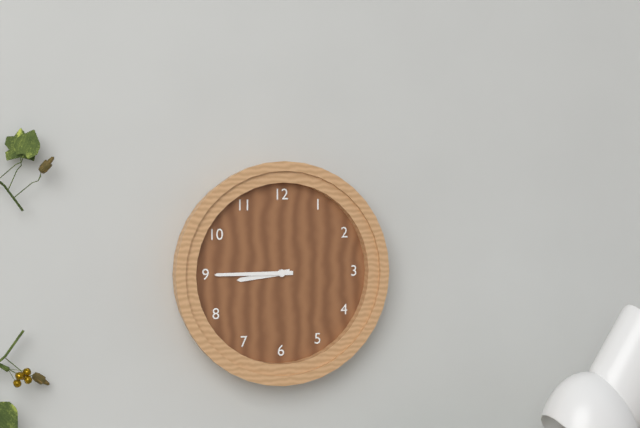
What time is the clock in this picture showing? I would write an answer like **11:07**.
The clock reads **8:45**
